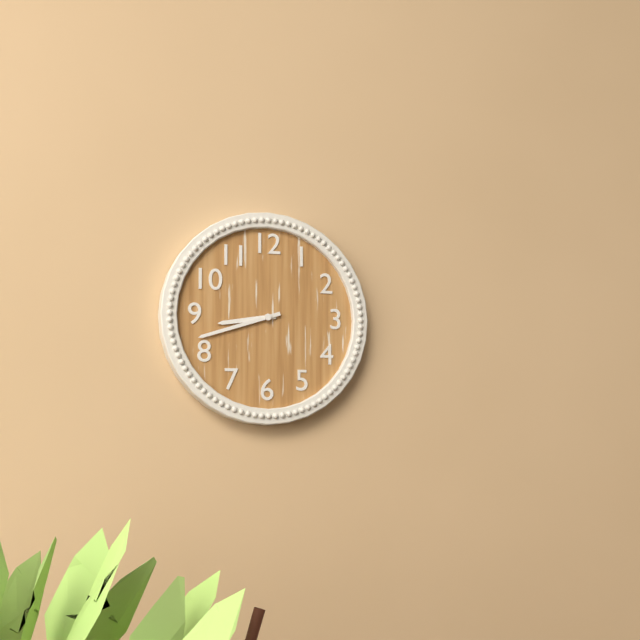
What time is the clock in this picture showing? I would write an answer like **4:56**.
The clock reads **8:42**
